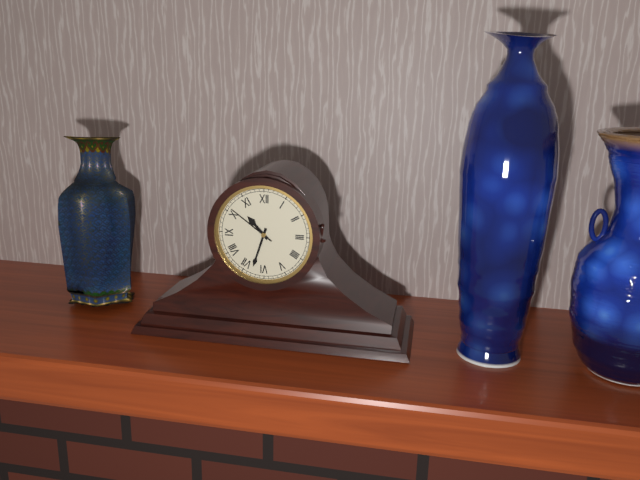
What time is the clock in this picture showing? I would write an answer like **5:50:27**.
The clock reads **10:33:51**
